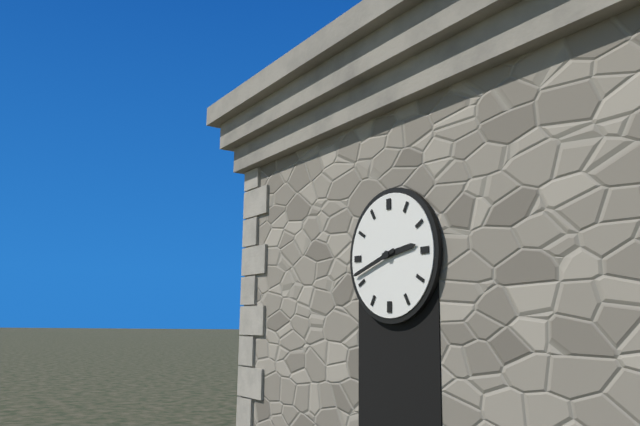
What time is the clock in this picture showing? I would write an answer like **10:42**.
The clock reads **2:42**
